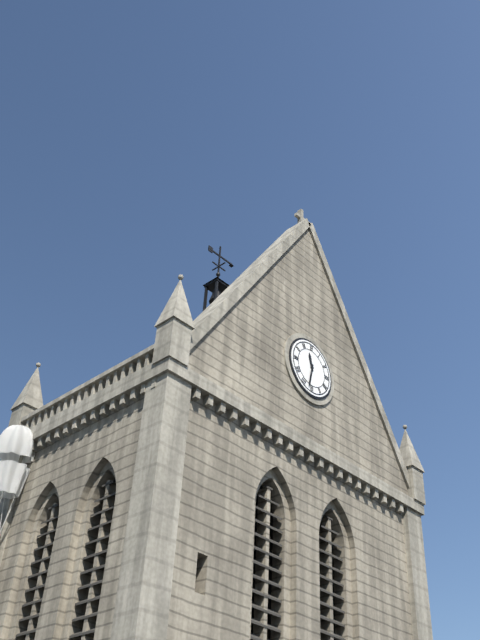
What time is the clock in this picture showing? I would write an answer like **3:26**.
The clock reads **11:32**
